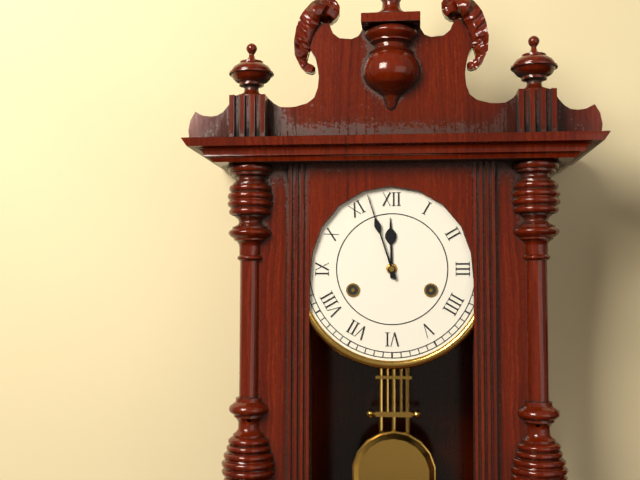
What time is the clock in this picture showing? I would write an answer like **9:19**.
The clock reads **11:57**
